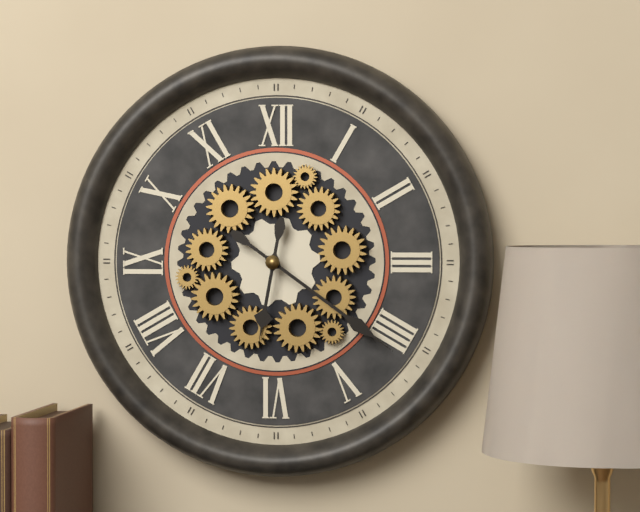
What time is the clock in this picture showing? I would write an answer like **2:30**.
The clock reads **6:21**
